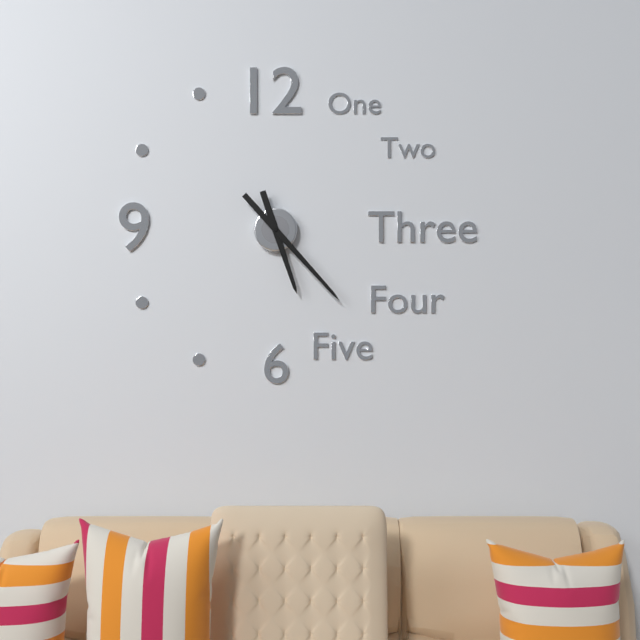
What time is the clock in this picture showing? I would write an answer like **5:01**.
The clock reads **5:23**
